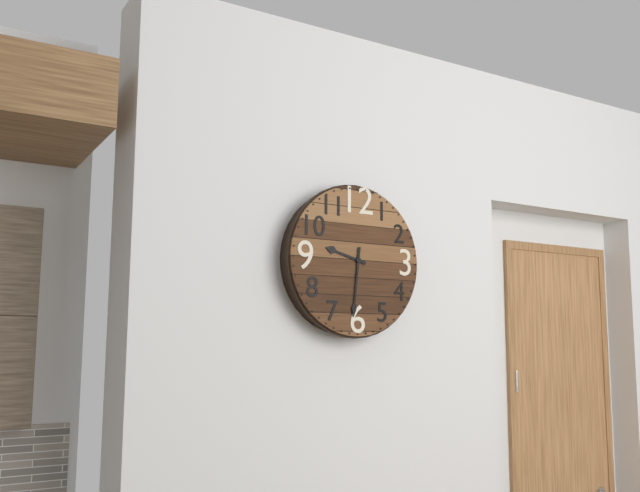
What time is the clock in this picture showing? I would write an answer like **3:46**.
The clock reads **9:31**
